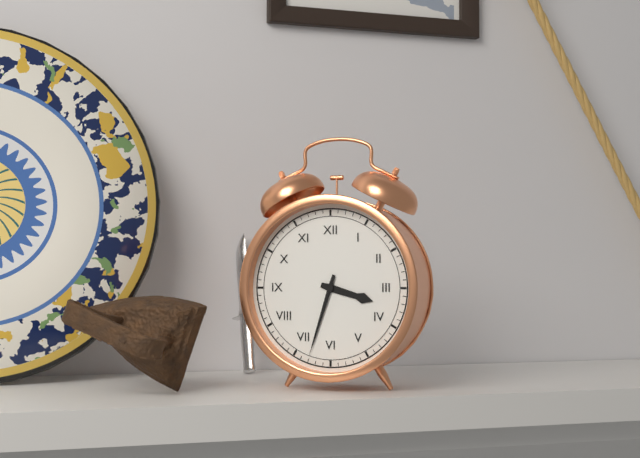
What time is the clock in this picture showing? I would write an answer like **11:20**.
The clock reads **3:33**
